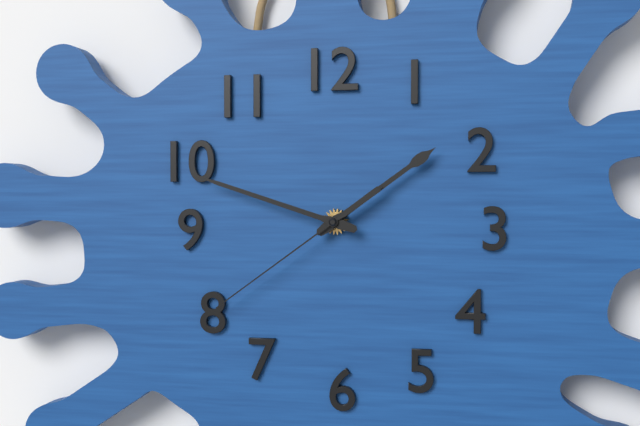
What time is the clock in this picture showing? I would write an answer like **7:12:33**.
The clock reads **1:48:39**
